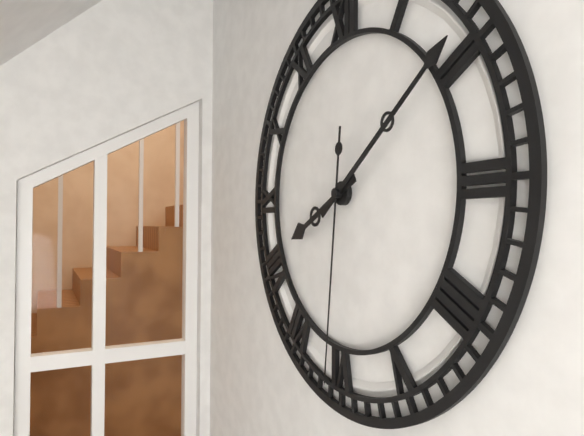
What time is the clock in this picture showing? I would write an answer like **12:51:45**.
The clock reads **8:09:31**
